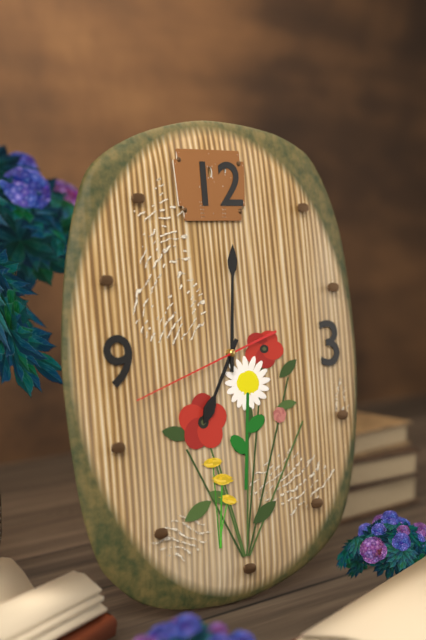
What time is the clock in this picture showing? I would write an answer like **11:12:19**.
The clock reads **7:01:42**
